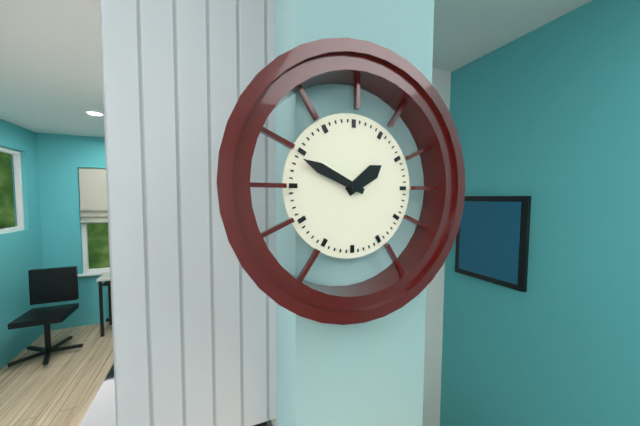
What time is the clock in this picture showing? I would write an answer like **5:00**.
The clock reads **1:49**
